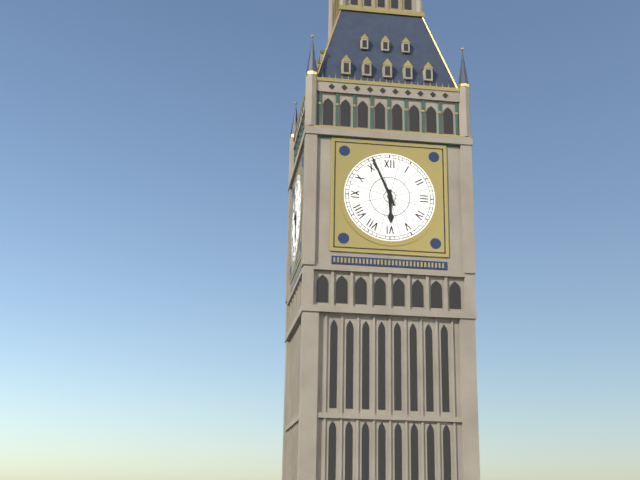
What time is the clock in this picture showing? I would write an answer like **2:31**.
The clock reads **5:56**
